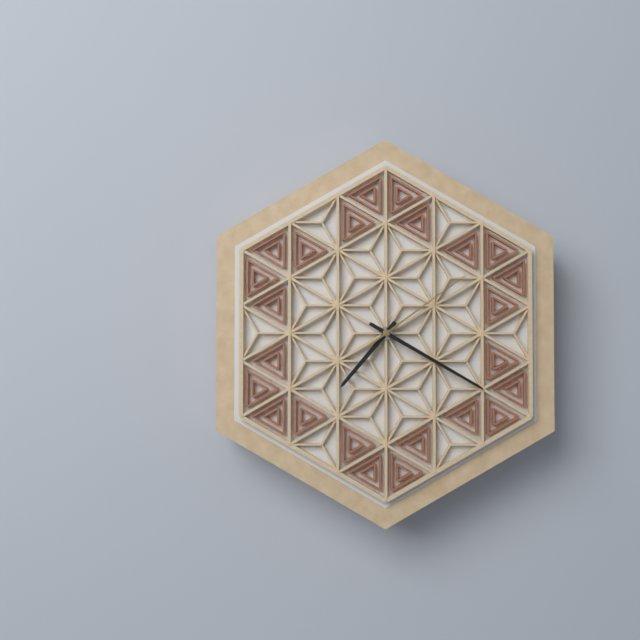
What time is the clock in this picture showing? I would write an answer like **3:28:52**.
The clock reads **7:20:09**
